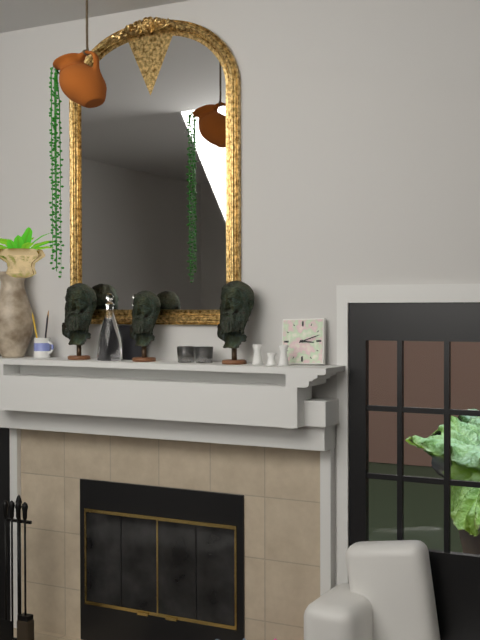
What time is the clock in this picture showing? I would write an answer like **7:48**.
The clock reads **3:12**
